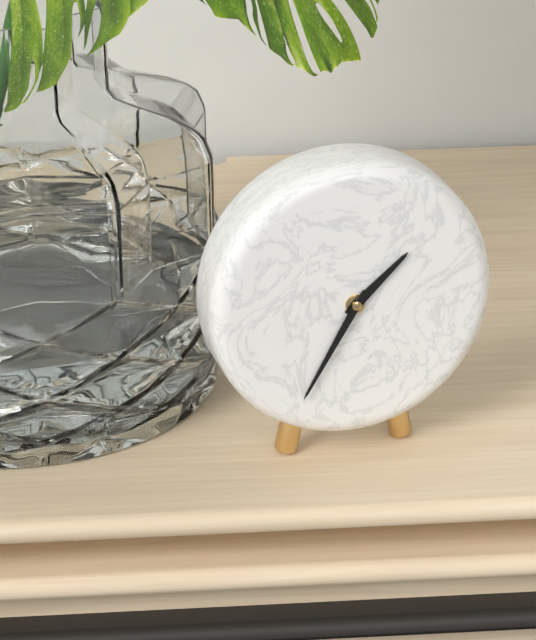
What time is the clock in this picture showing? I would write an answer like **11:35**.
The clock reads **1:35**
